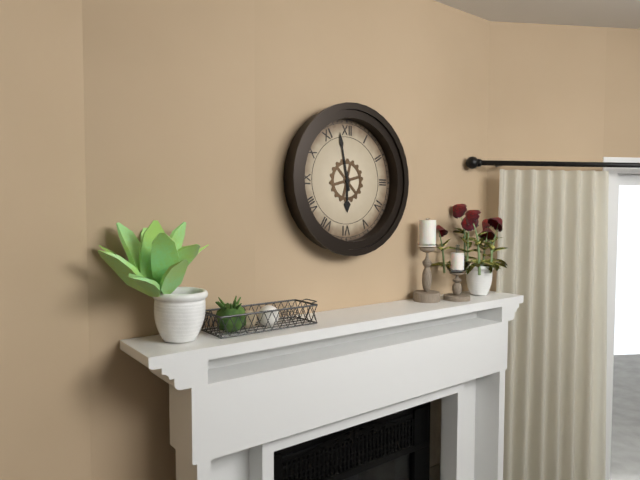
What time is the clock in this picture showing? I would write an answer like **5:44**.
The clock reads **5:58**
